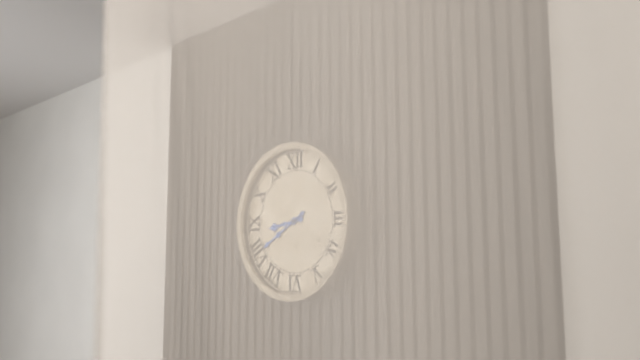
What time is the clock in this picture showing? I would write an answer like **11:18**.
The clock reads **8:40**
